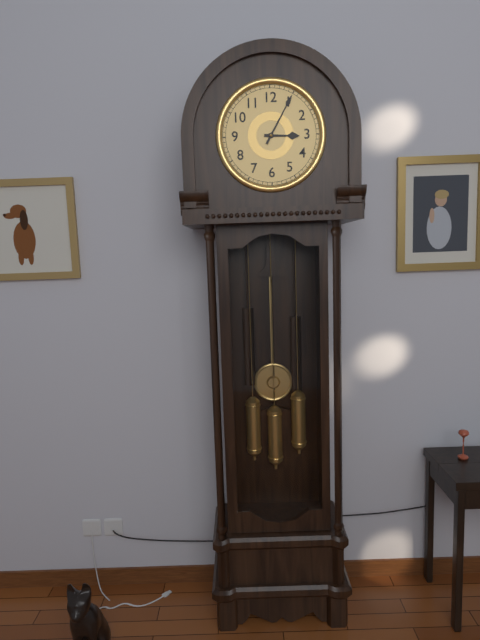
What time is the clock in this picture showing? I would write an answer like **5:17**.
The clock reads **3:05**
